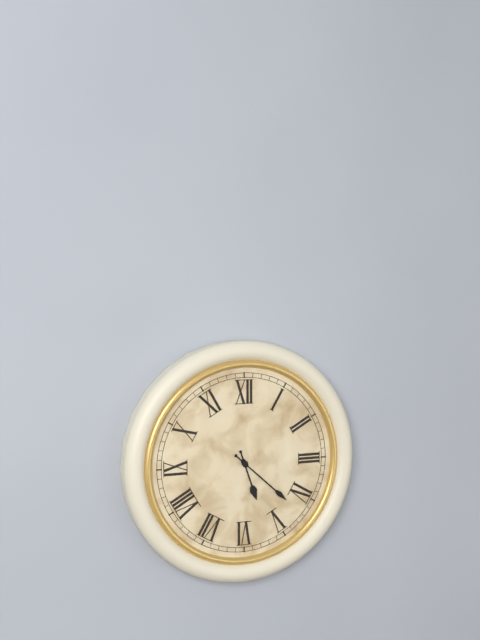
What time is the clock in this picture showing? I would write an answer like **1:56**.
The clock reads **5:22**
